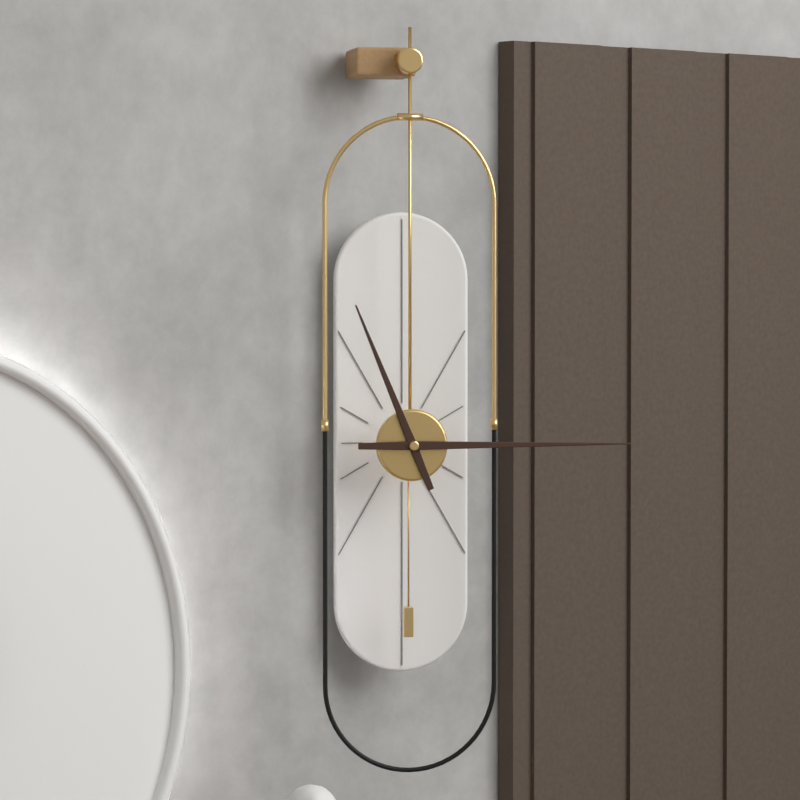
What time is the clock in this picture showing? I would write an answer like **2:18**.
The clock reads **11:15**
